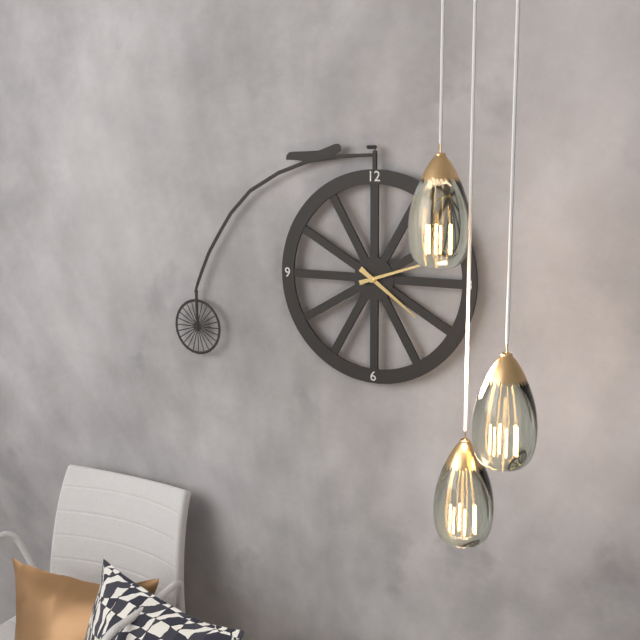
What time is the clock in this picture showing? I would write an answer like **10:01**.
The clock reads **4:12**
